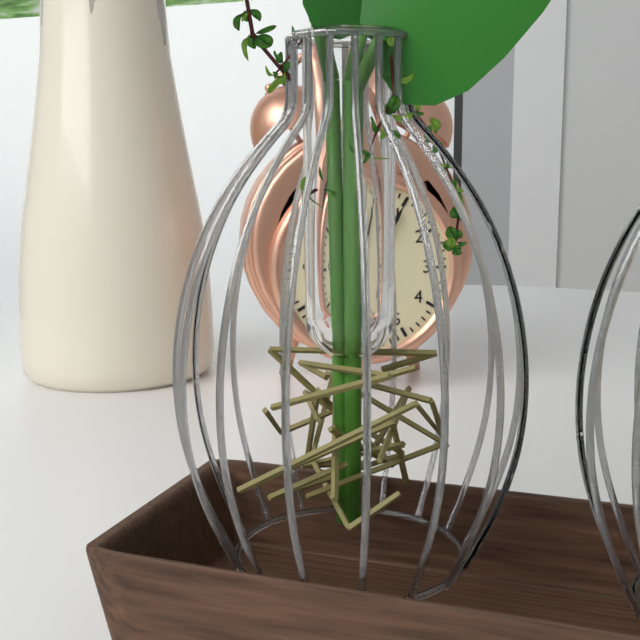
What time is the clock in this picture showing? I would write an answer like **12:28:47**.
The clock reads **12:05:02**
